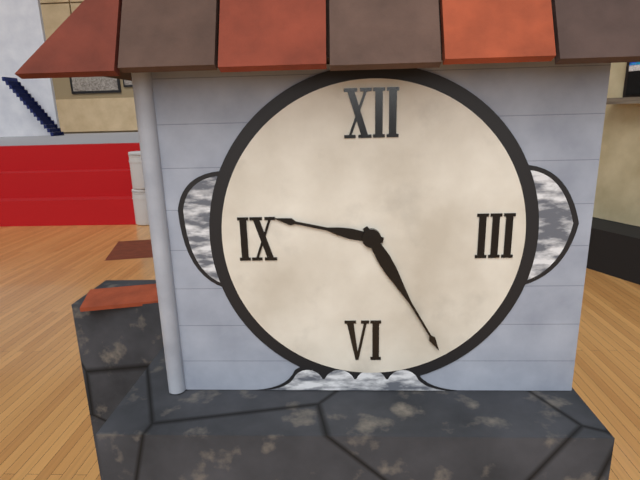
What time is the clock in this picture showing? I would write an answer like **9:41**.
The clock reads **9:25**
